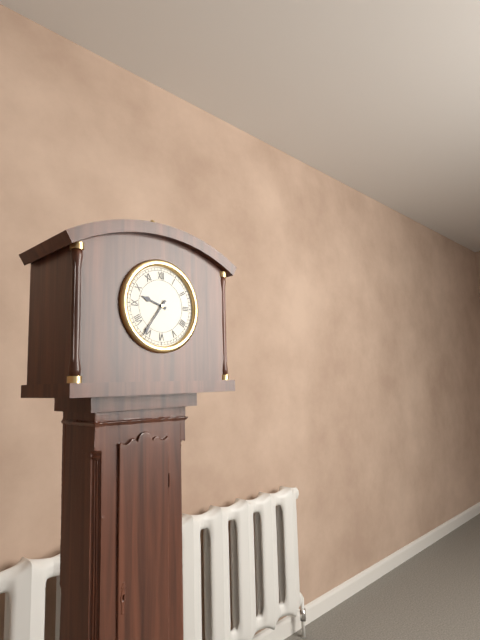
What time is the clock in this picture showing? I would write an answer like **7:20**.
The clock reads **9:36**
